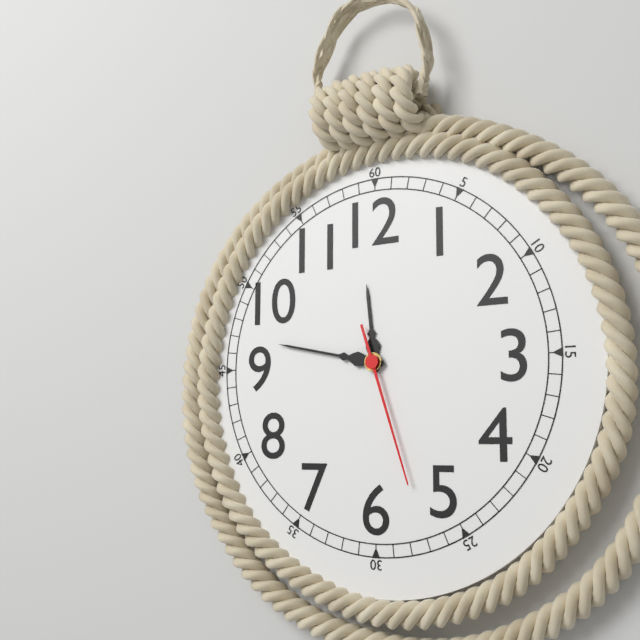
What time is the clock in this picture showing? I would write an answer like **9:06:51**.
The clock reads **11:47:27**
